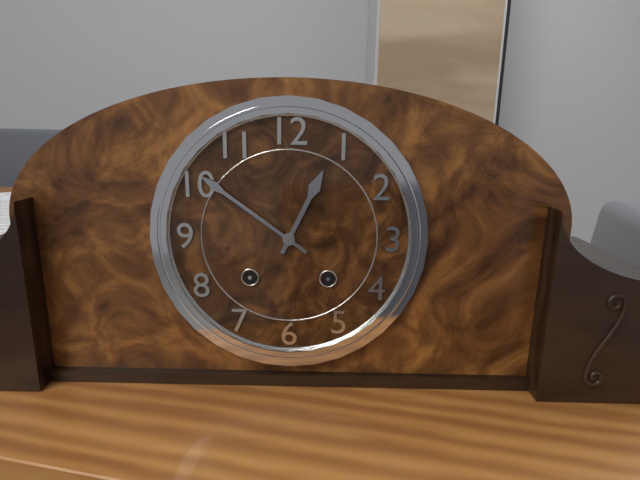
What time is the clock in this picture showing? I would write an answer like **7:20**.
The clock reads **12:51**
